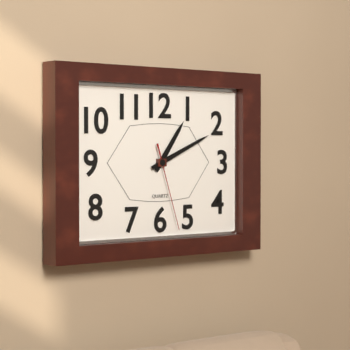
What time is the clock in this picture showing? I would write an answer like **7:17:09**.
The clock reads **1:11:27**
